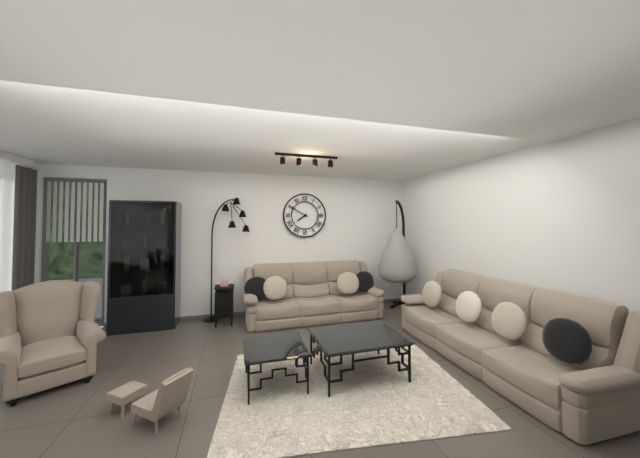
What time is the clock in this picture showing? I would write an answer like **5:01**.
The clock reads **7:50**
